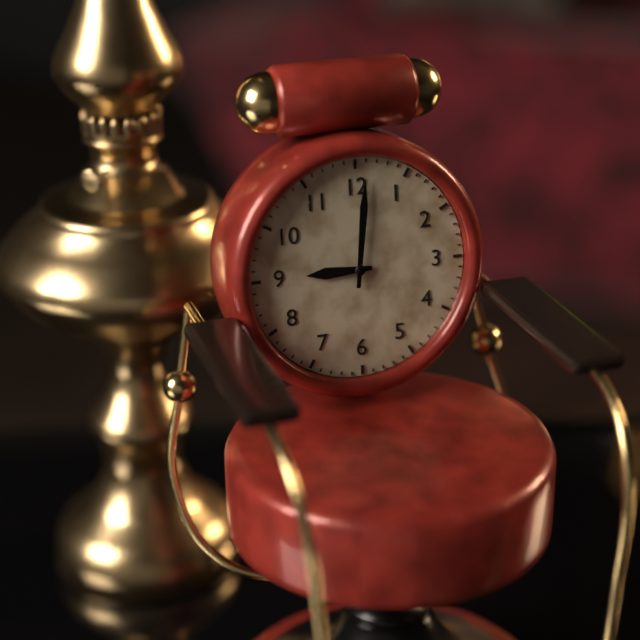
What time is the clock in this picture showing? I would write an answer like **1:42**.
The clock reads **9:01**
